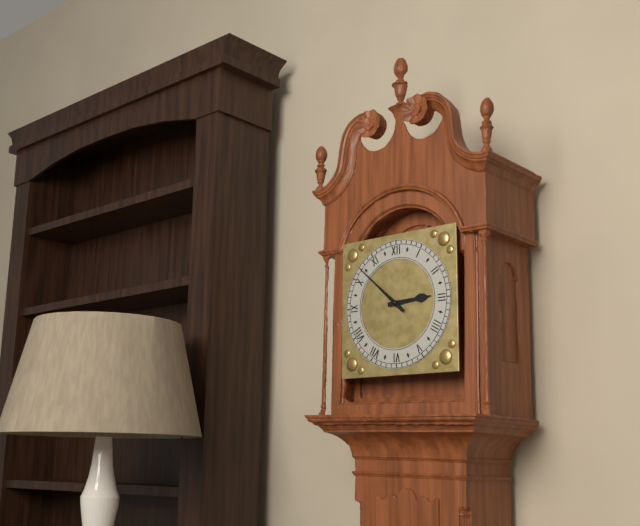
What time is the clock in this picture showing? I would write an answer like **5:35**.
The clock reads **2:52**
